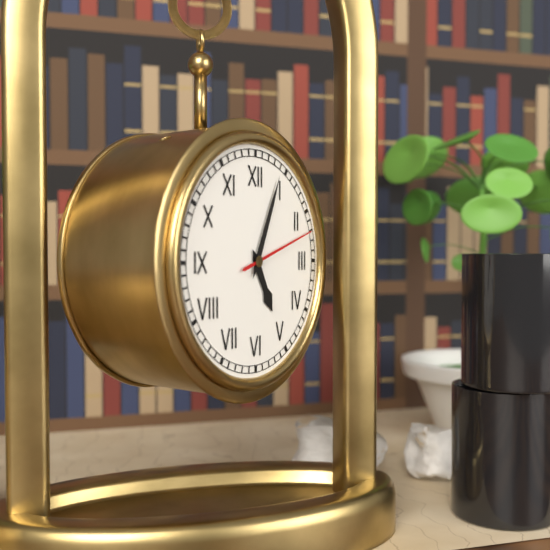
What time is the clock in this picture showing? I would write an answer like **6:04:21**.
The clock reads **5:04:12**
